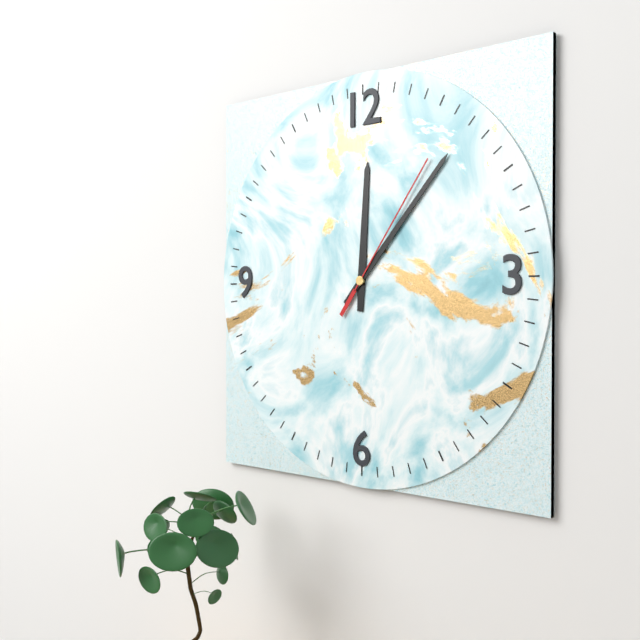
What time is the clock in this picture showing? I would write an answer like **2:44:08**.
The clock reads **12:07:06**
